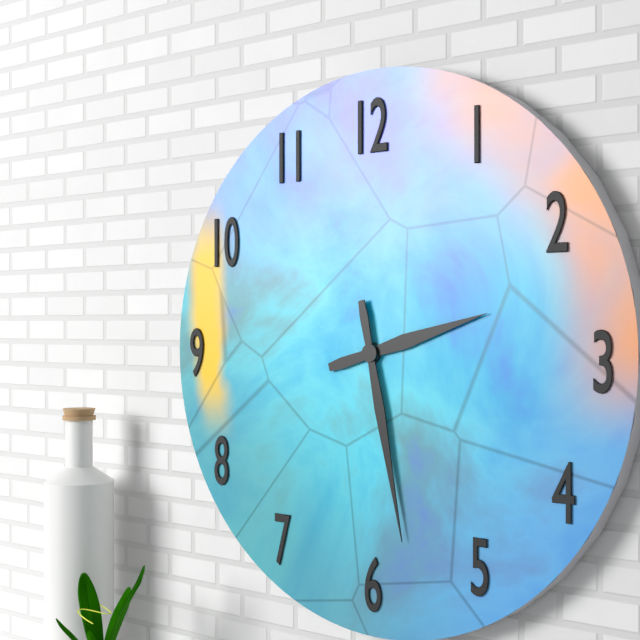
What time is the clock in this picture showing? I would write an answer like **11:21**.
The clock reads **2:28**
